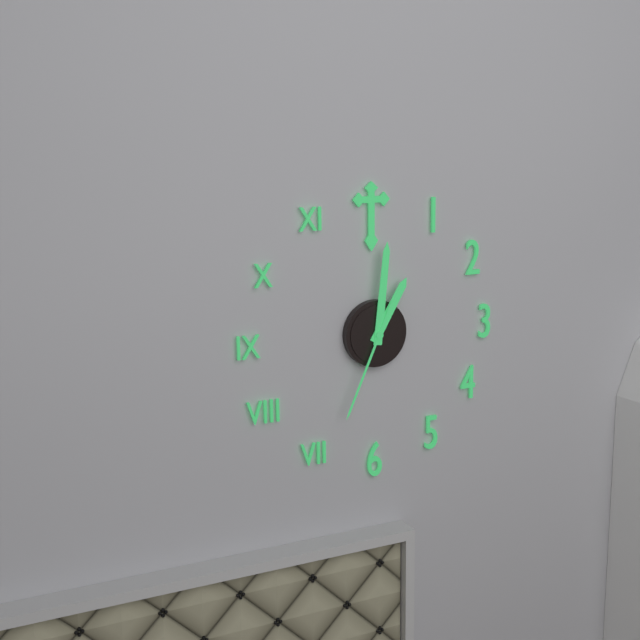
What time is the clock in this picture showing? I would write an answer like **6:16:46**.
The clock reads **1:01:34**
